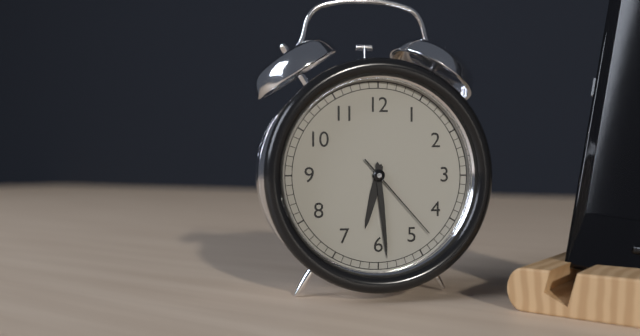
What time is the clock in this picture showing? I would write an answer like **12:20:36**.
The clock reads **6:29:23**
